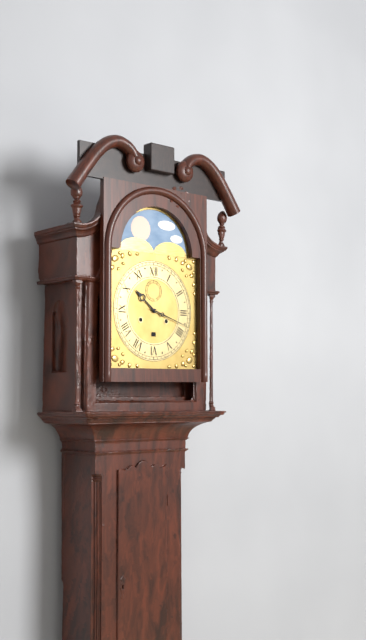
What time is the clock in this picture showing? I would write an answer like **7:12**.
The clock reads **10:18**
